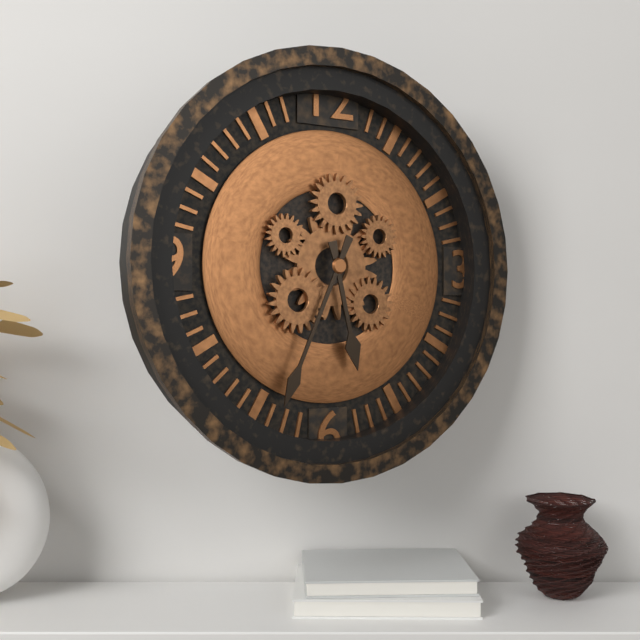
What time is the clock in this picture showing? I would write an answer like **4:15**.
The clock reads **5:34**
